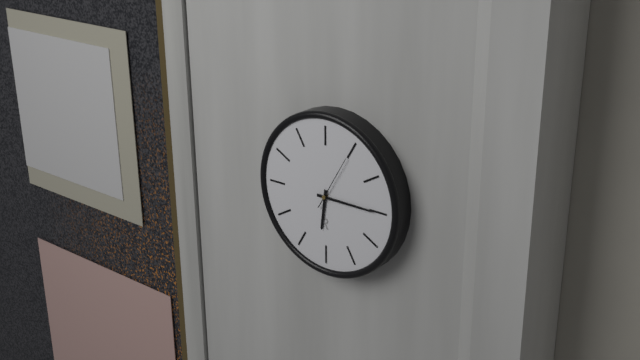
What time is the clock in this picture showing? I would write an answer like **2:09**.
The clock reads **6:15**
